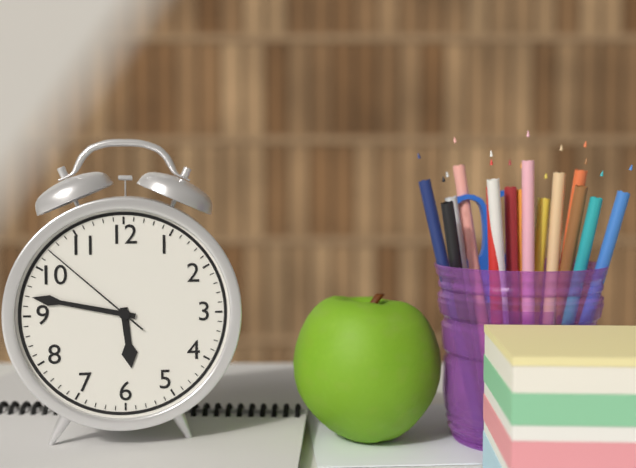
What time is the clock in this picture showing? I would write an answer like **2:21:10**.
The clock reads **5:47:52**
